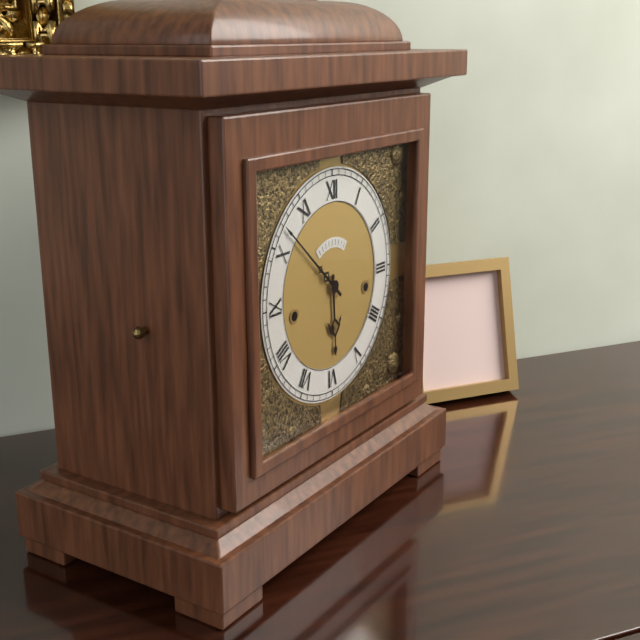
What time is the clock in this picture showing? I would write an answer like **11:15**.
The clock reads **5:52**
